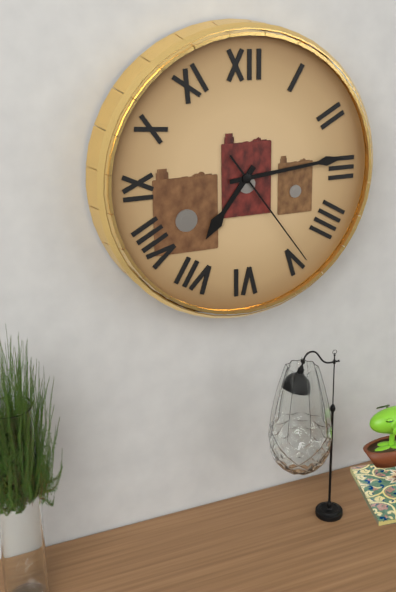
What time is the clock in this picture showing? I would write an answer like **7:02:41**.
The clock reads **7:14:24**
